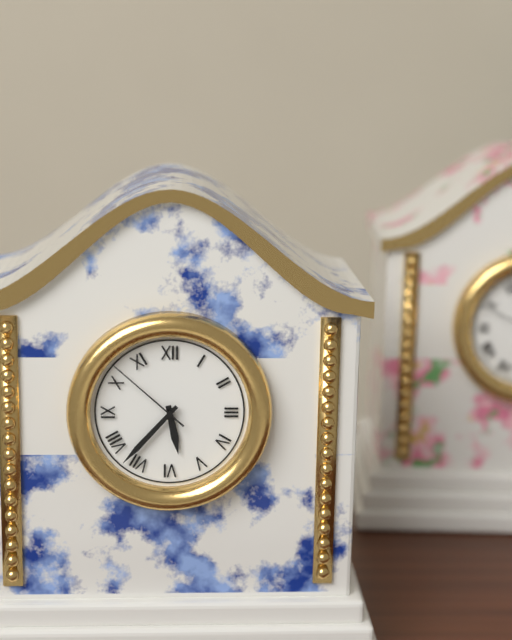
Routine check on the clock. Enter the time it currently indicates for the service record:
5:37:52
